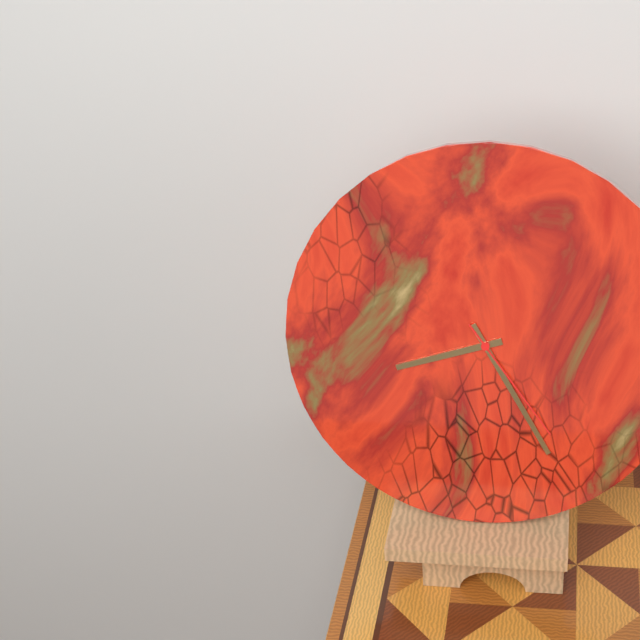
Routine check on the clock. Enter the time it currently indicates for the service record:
8:25:24
